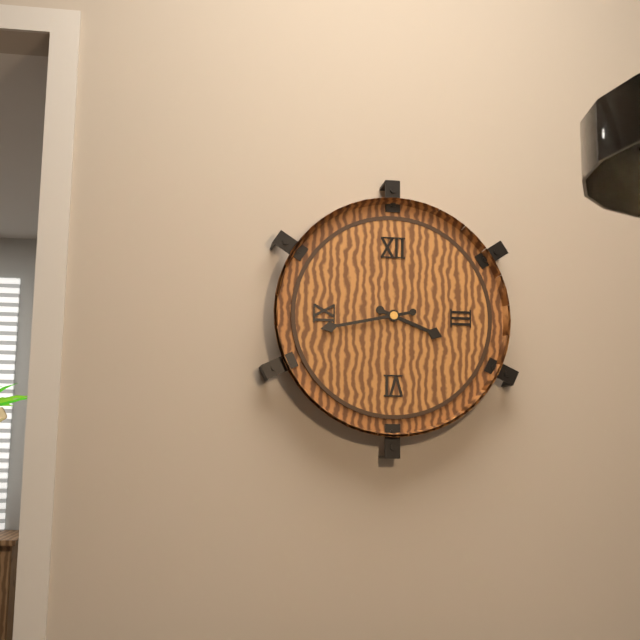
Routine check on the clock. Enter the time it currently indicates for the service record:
3:43
